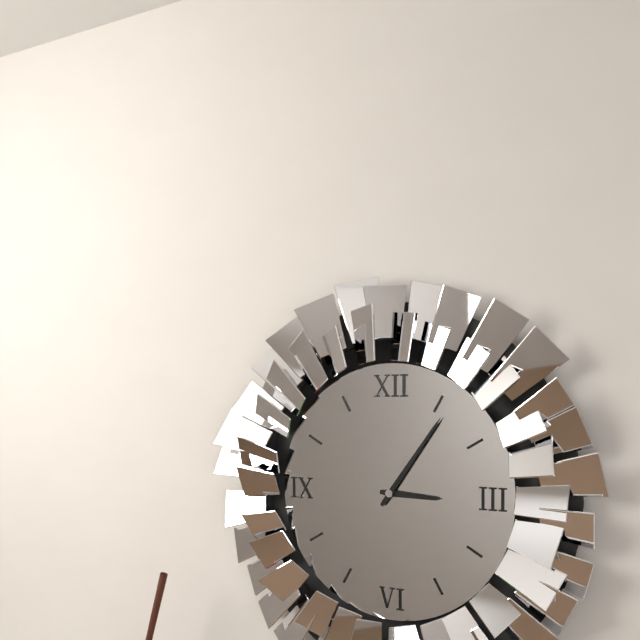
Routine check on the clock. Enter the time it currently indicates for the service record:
3:06
